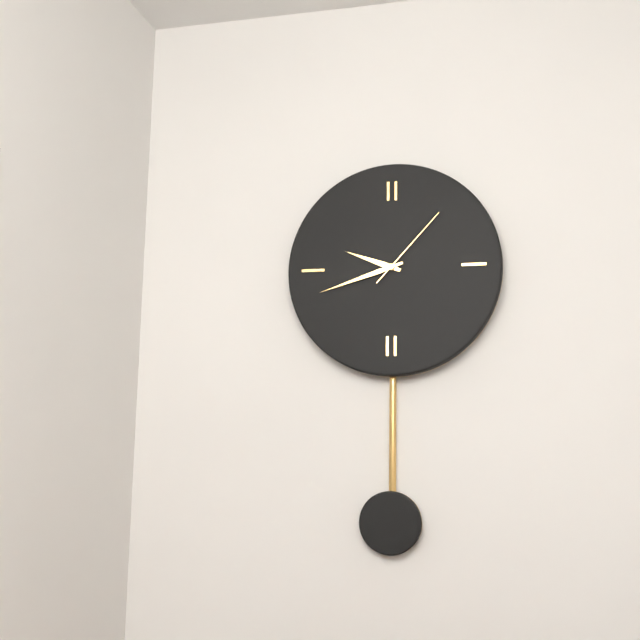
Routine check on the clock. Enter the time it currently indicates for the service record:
9:42:07
